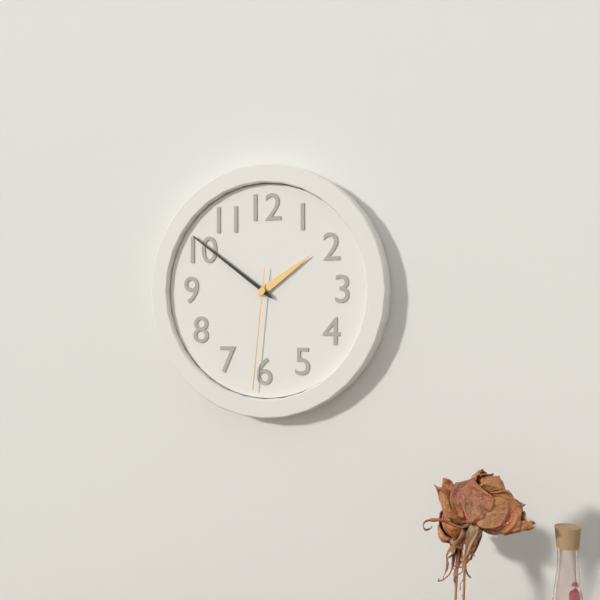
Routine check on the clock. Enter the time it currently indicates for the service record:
1:51:31
